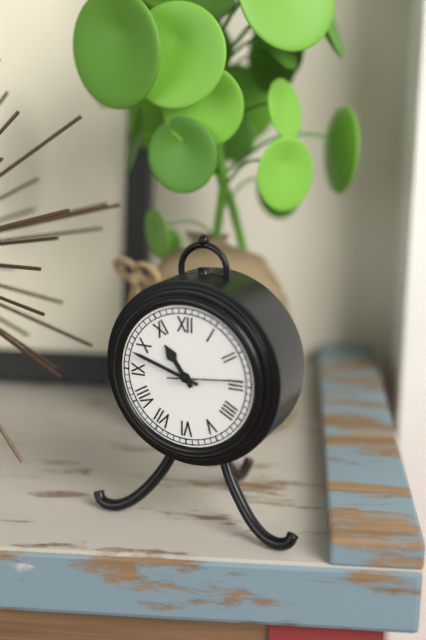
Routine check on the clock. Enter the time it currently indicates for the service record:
10:48:14
